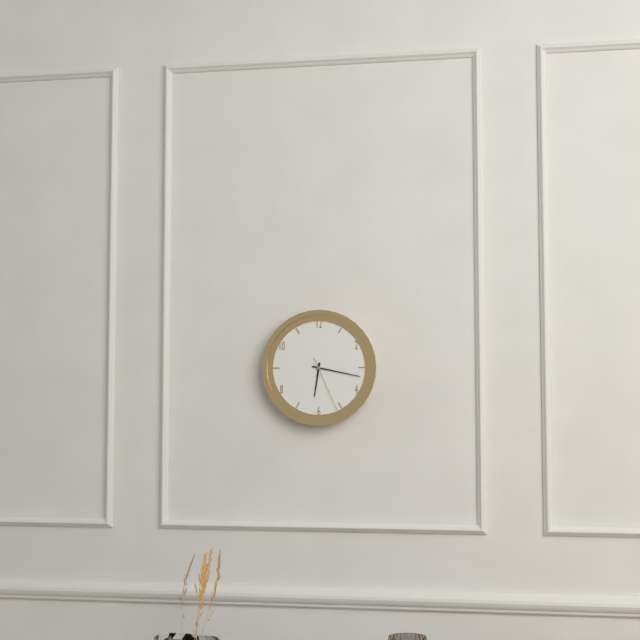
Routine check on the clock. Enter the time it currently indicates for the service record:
6:17:26
